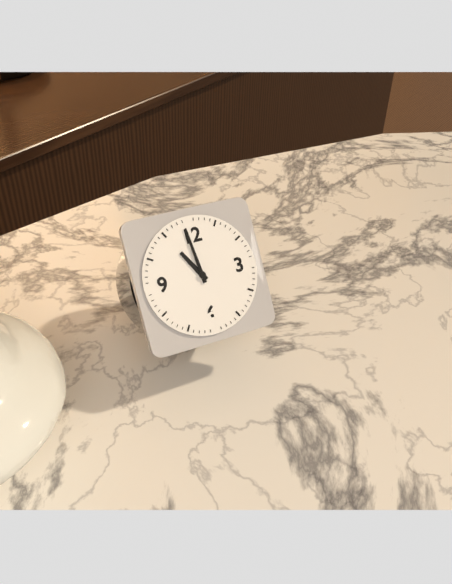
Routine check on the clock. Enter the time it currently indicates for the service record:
10:59
